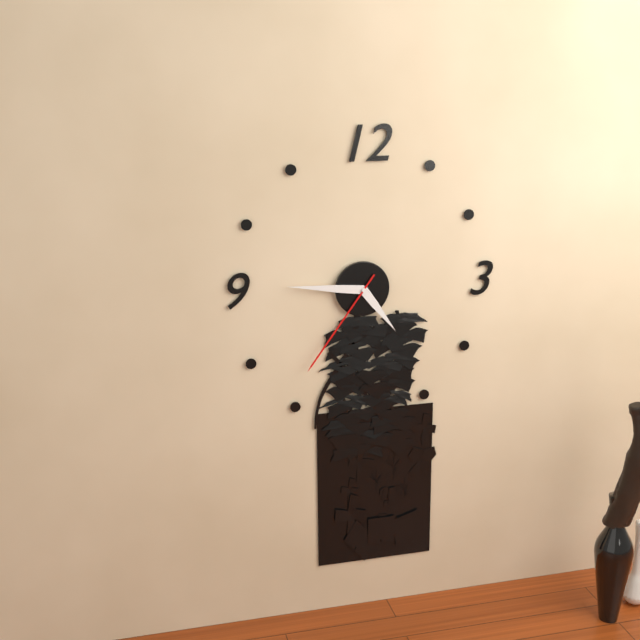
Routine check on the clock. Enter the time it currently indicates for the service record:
4:46:36
